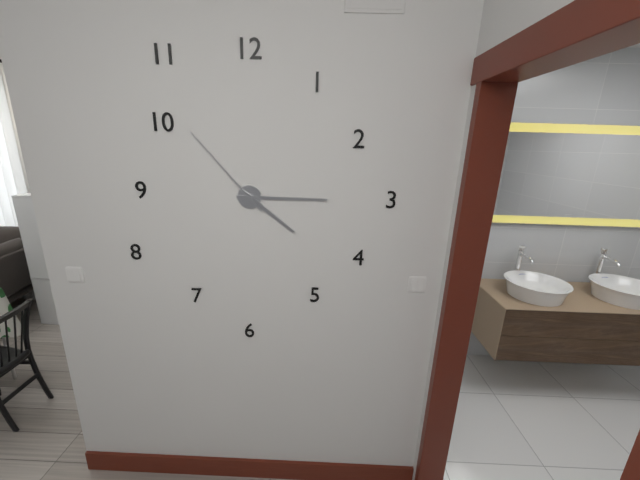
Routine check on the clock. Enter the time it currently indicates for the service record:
4:15:53
